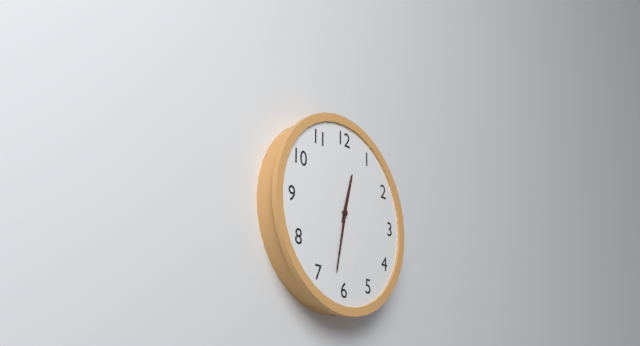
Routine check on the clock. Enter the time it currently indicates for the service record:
12:32
